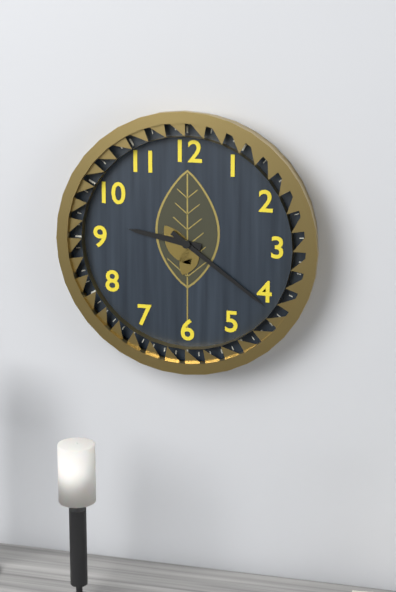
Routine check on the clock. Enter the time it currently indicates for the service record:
9:21
